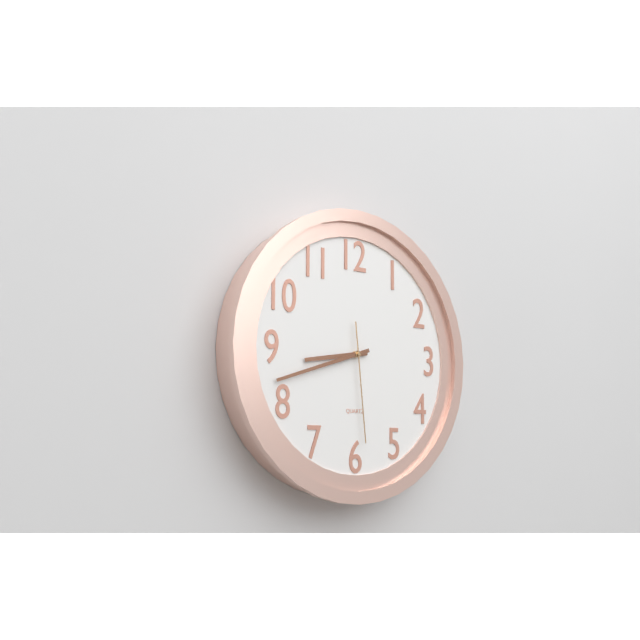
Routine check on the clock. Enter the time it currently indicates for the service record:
8:42:29
